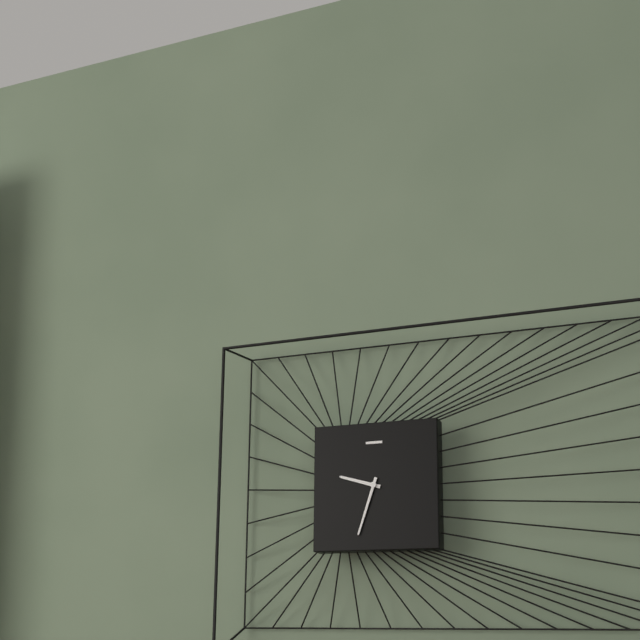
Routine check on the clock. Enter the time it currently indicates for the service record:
9:33
